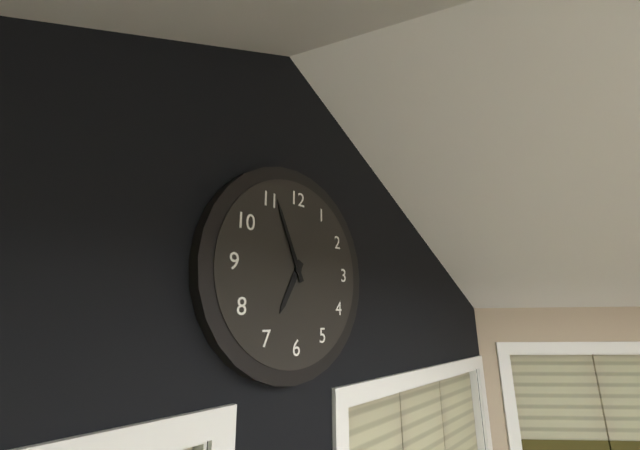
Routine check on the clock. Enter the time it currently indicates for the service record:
6:56
